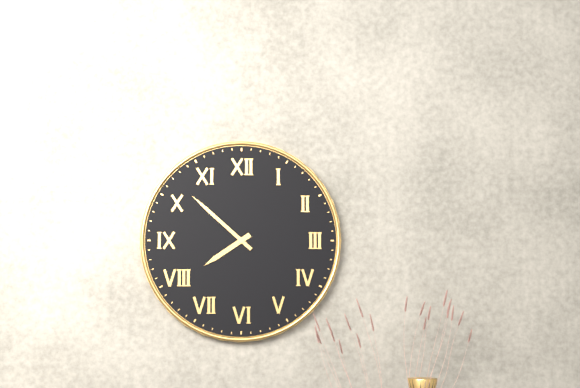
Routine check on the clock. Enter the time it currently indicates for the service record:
7:52
